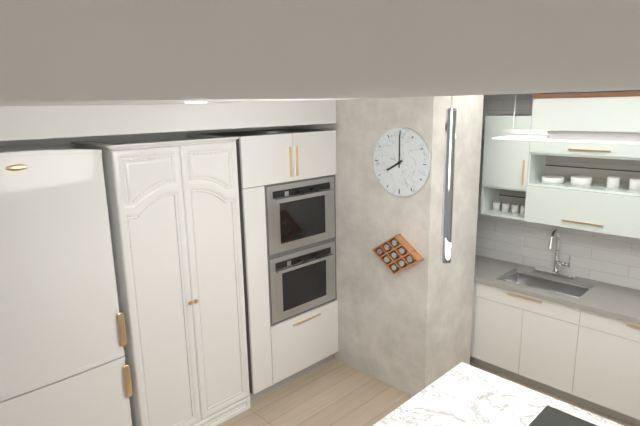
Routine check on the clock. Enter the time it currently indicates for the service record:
8:00
